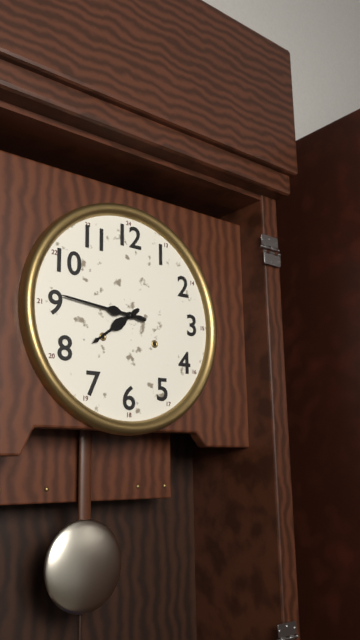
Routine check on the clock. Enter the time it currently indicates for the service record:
7:46
